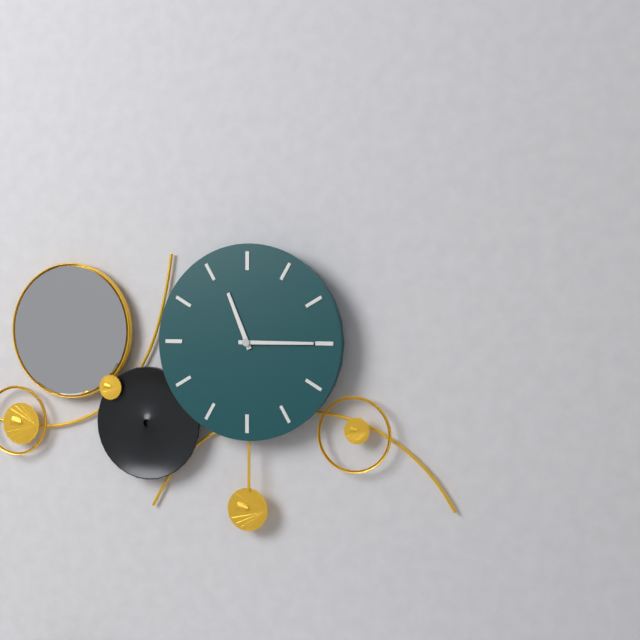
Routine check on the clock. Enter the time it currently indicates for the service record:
11:15
